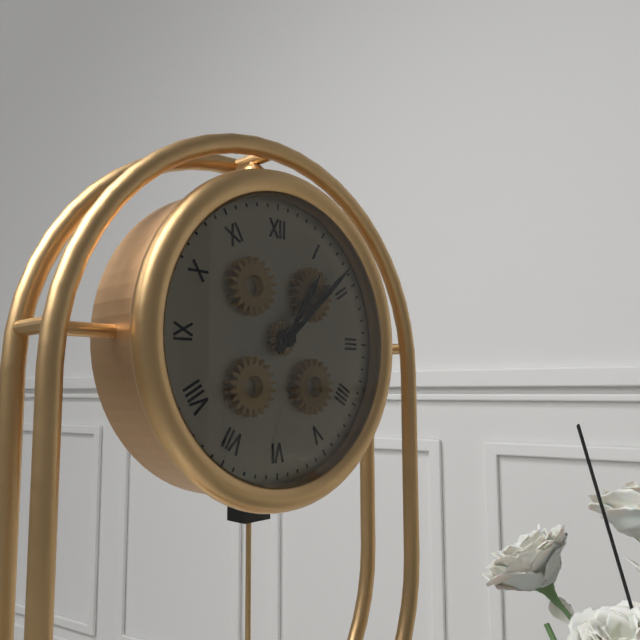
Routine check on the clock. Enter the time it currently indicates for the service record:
1:08
